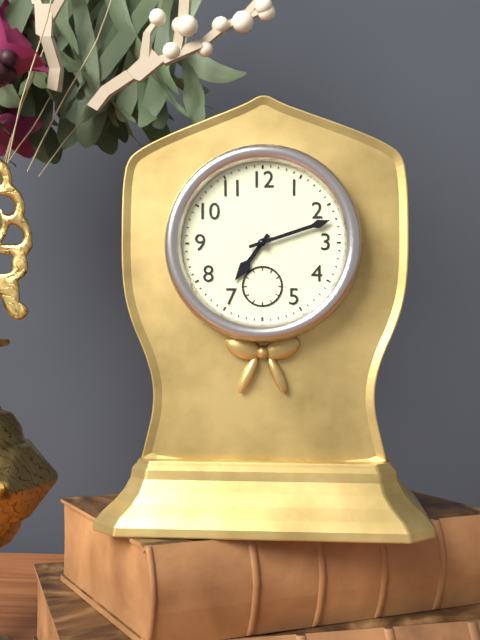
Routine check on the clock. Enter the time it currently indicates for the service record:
7:12
